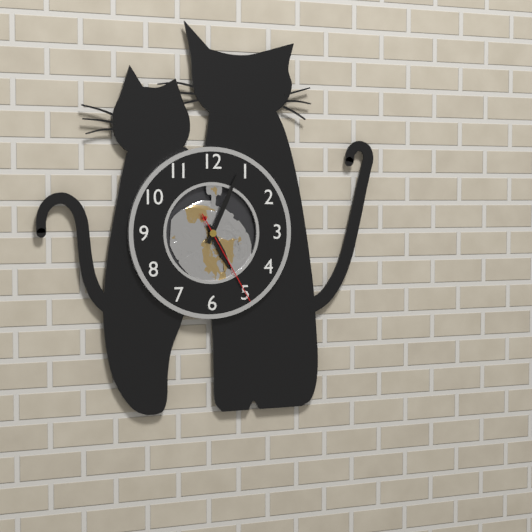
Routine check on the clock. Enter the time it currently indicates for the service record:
5:04:25
